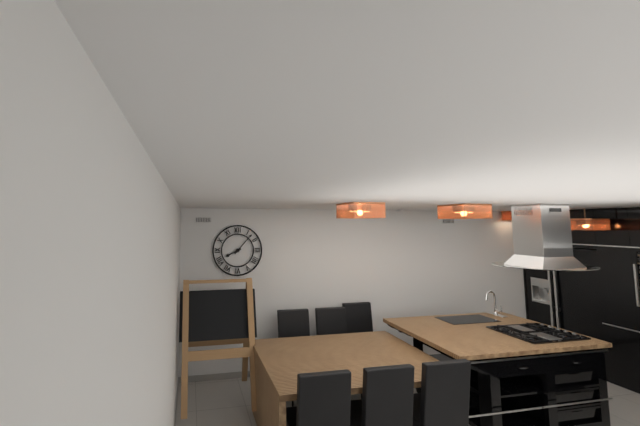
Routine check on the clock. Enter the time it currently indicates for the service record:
8:07
